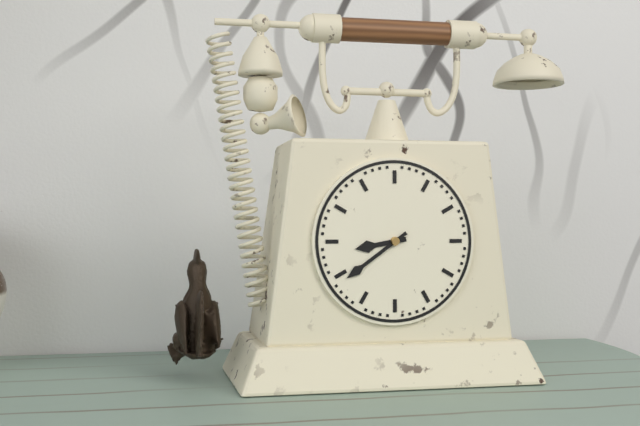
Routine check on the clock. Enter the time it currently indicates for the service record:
8:39
